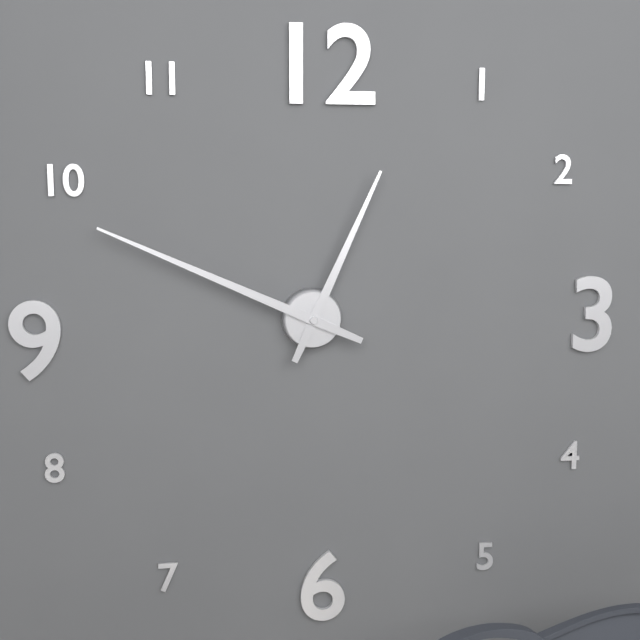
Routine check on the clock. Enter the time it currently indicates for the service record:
12:49
